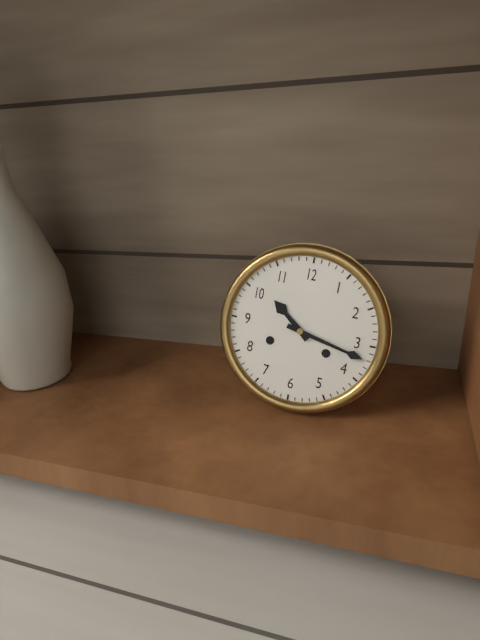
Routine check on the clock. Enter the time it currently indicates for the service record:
10:17
